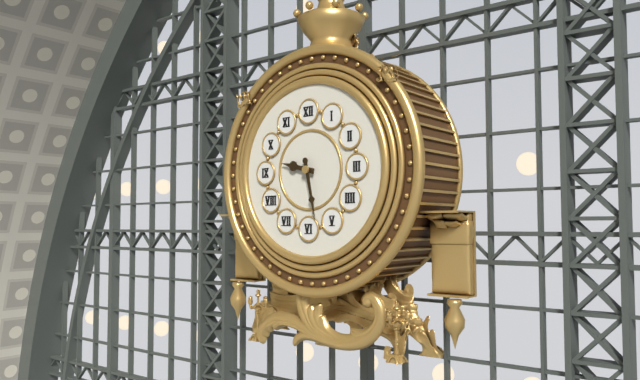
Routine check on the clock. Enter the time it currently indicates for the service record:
9:28
